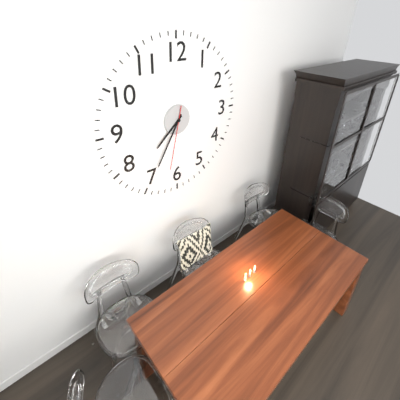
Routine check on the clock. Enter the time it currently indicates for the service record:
7:35:32
